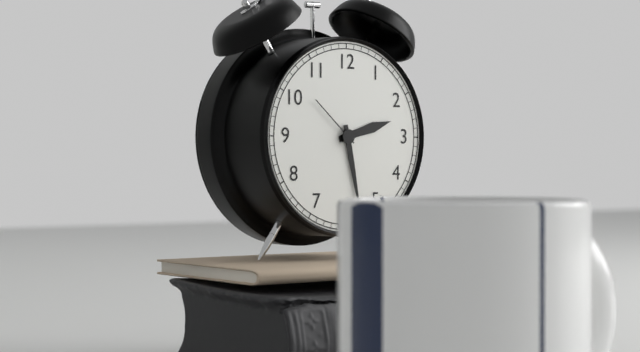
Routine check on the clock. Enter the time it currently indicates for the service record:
2:28:52
